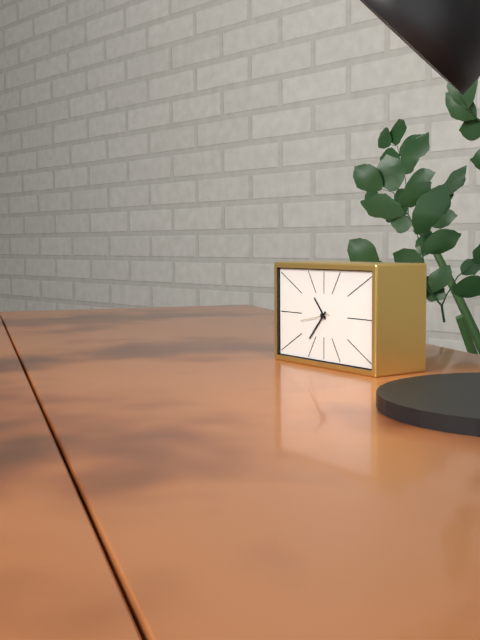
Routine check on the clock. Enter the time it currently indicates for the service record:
10:37
